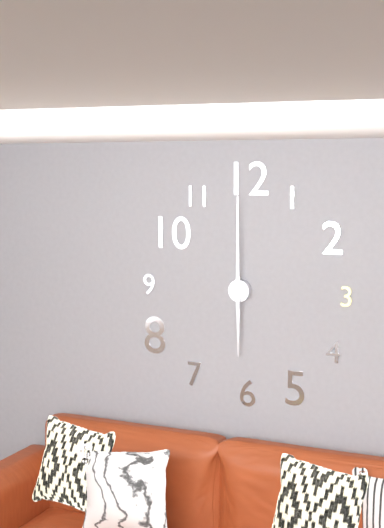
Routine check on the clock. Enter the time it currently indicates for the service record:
6:00
